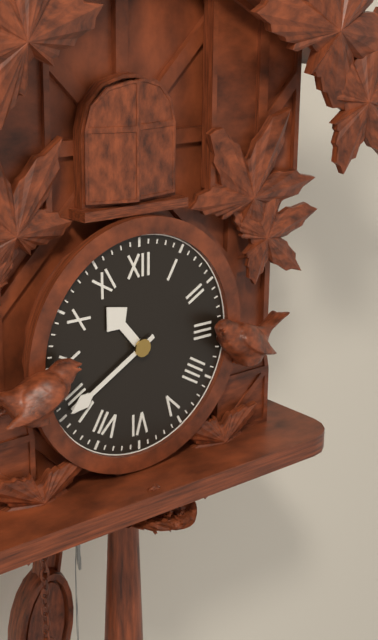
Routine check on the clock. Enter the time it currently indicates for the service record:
10:40
